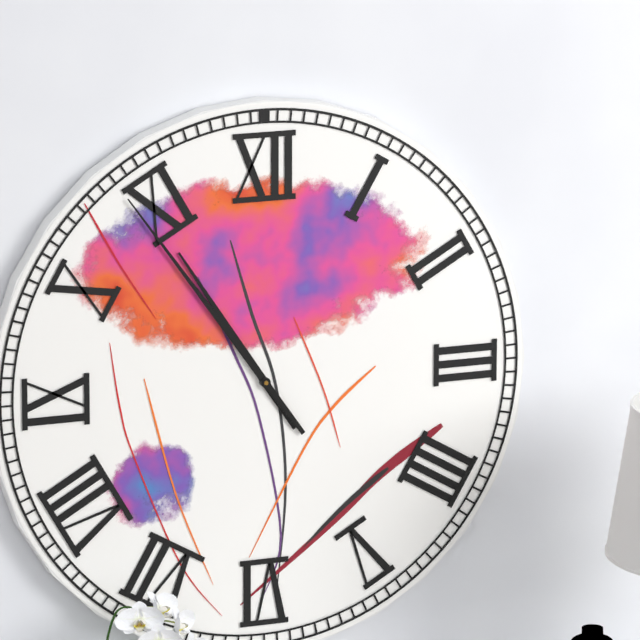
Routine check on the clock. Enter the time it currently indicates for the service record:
10:54
